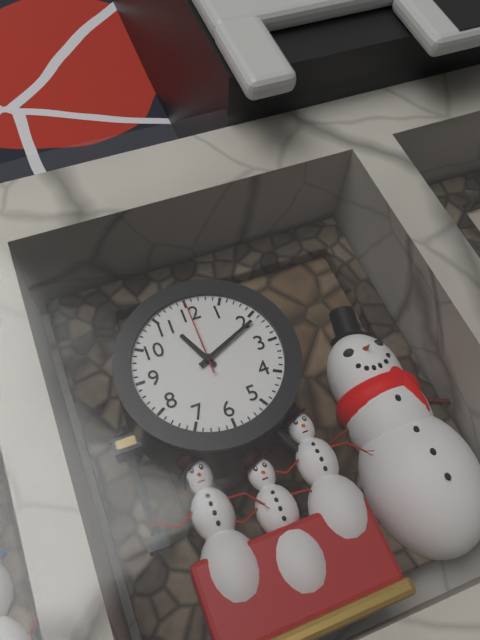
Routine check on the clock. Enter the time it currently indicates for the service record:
11:11:00
